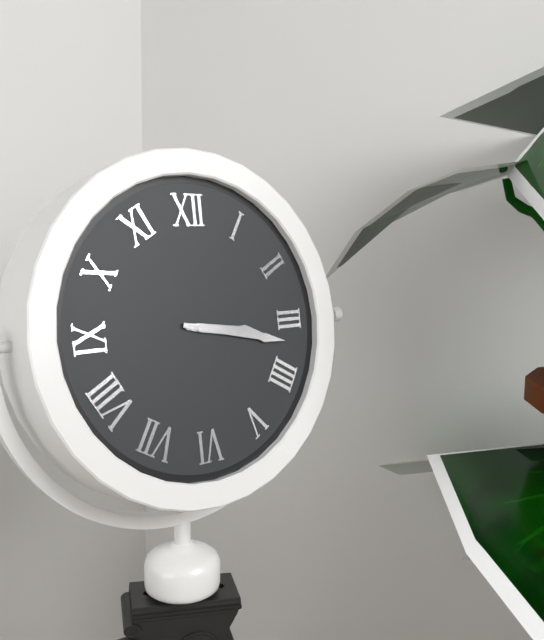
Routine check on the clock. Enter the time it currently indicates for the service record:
3:17
